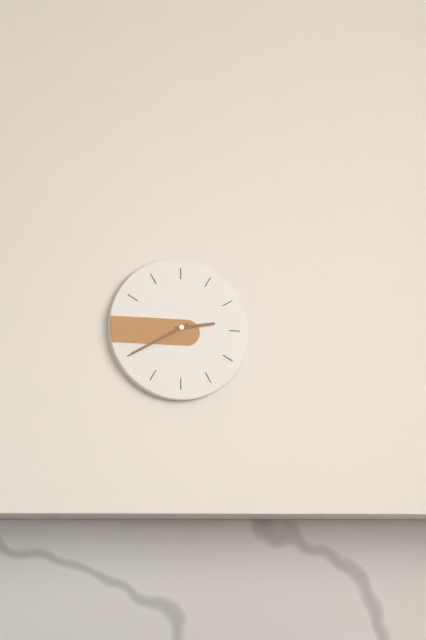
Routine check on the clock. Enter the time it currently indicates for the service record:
2:40
